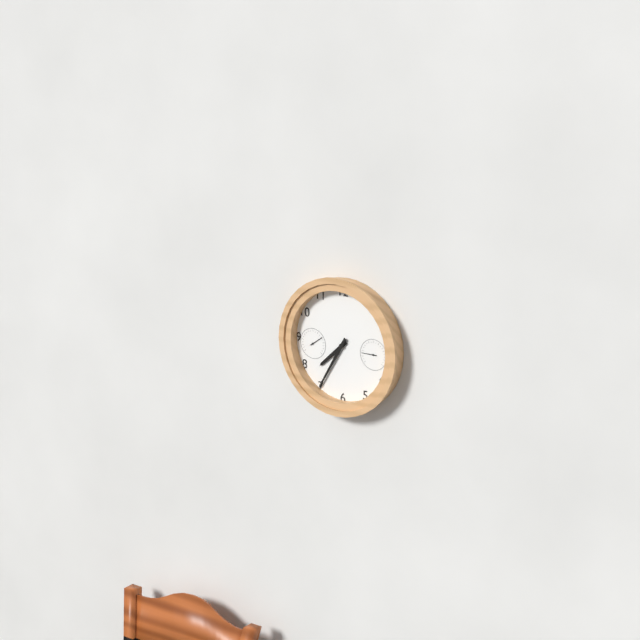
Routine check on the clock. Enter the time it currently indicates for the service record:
7:35
